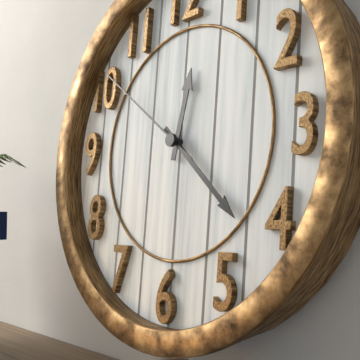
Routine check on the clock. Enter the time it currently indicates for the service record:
12:22:51
